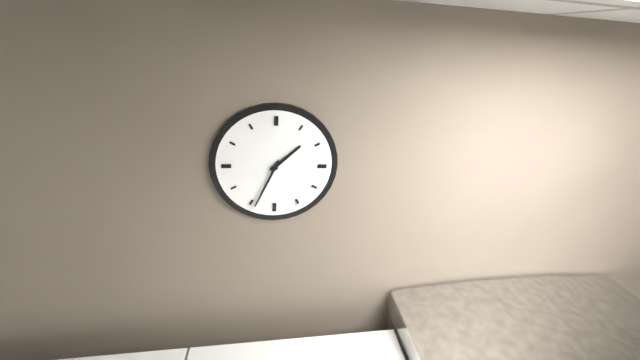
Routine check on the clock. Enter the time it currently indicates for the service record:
1:34
